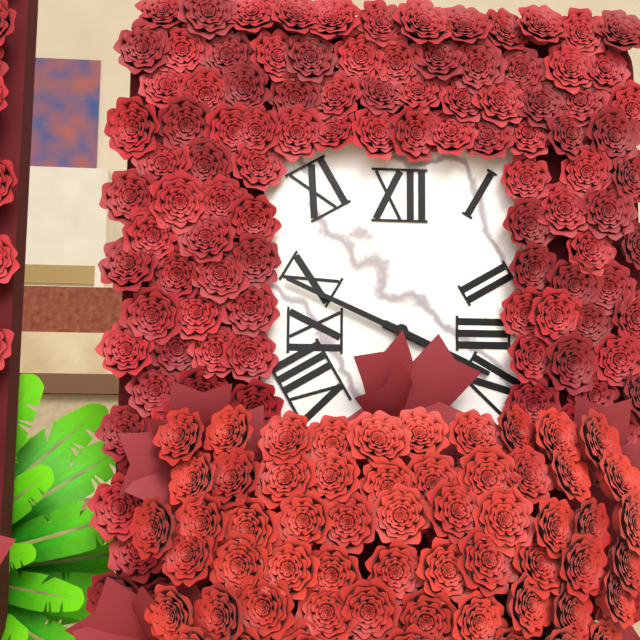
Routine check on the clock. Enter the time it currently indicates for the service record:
3:49
